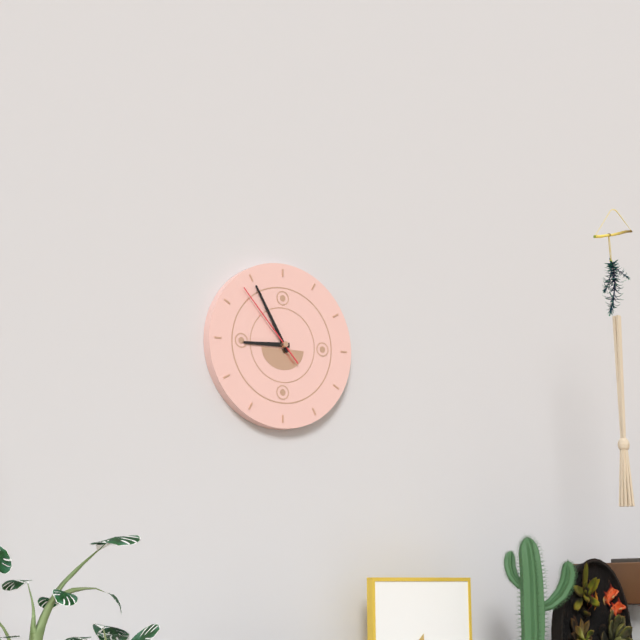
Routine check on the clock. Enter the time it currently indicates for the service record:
8:55:53
